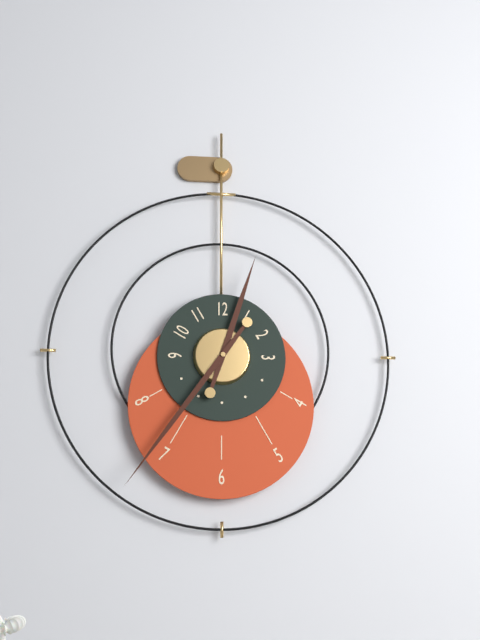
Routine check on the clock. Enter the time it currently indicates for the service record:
12:36
